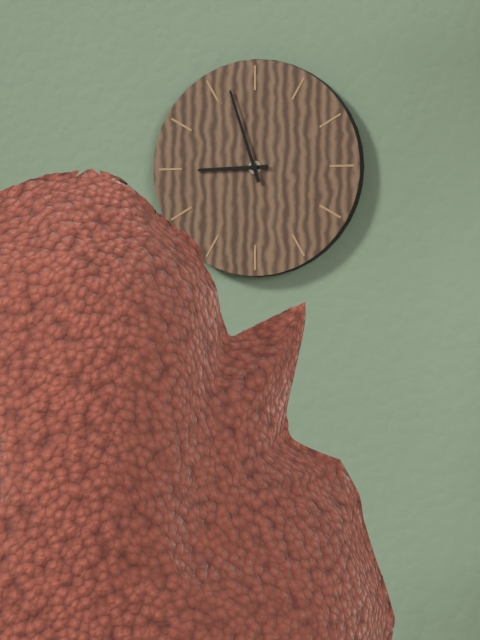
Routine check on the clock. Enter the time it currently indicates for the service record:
8:57
